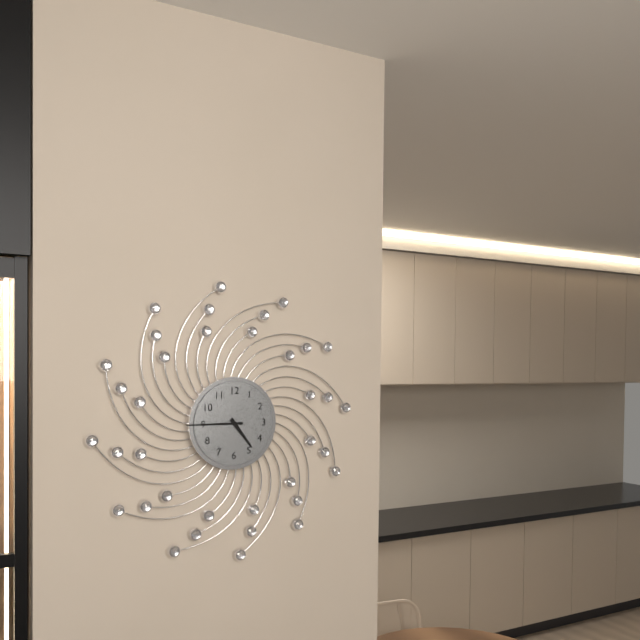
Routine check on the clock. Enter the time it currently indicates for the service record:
4:45
